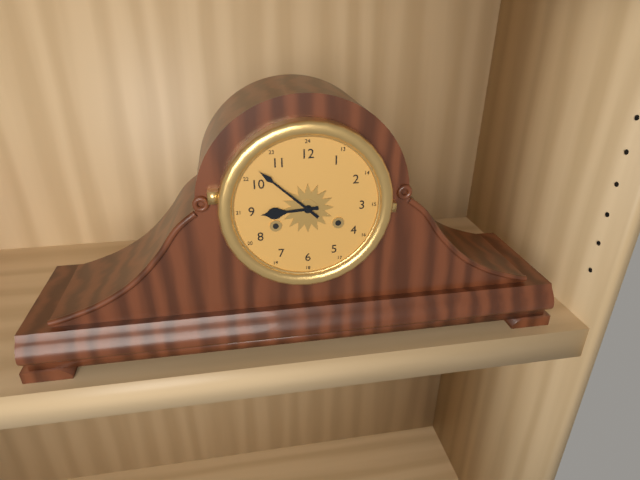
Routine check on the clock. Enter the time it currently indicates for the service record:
8:52
